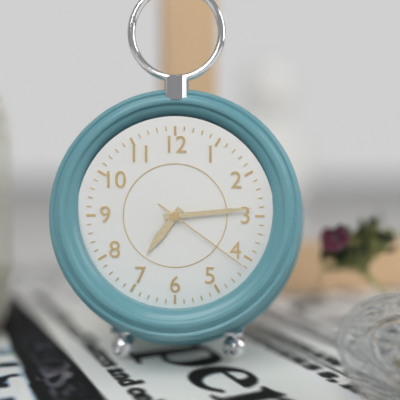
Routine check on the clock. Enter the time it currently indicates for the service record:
7:14:21
